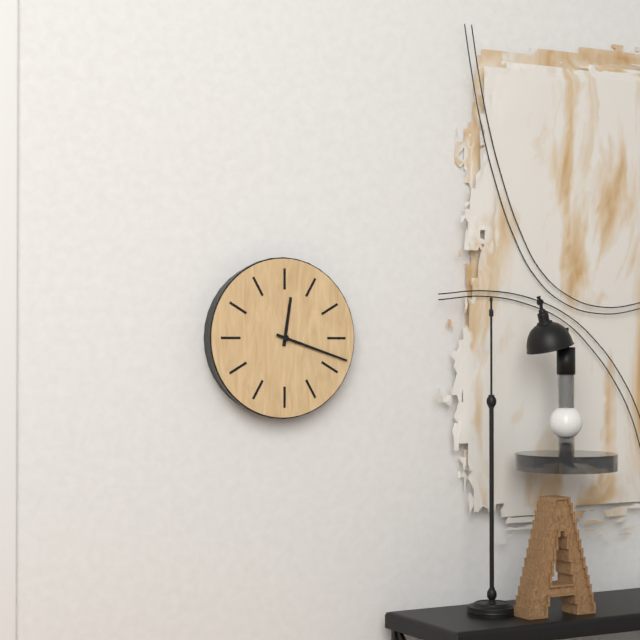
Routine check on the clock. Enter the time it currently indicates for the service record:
12:18
